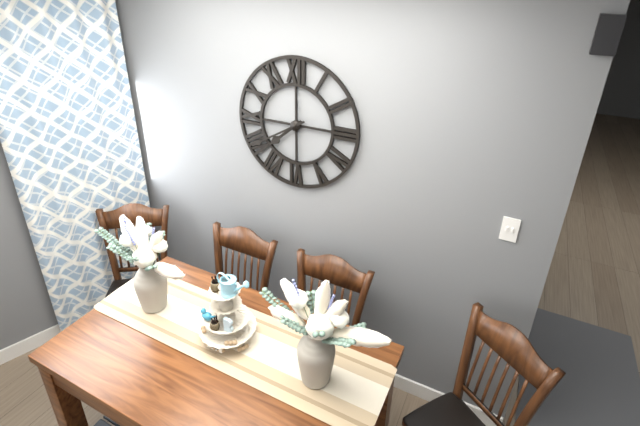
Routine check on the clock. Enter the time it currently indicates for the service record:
7:40
